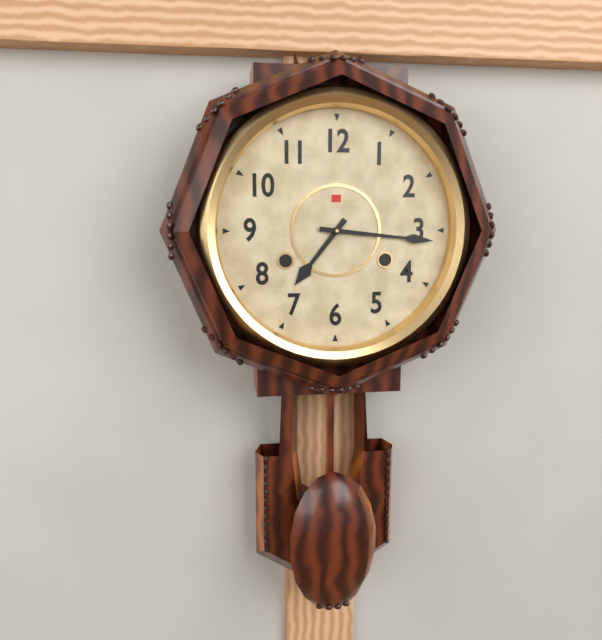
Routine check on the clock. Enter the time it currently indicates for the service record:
7:16
